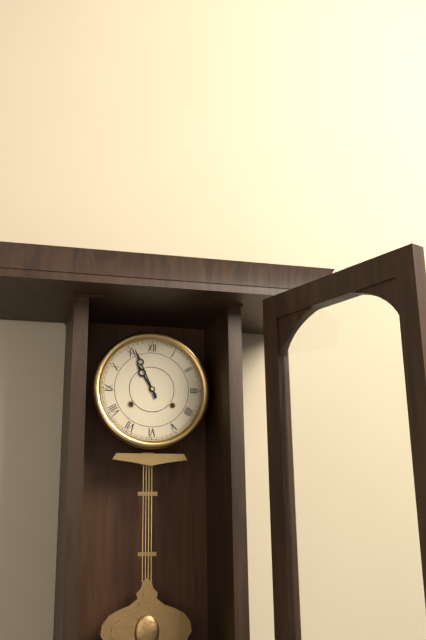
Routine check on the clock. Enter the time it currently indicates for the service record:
10:56
